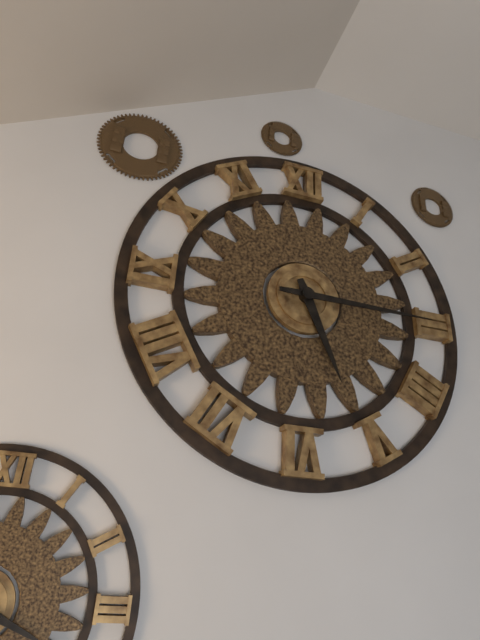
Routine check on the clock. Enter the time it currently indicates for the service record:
5:15
